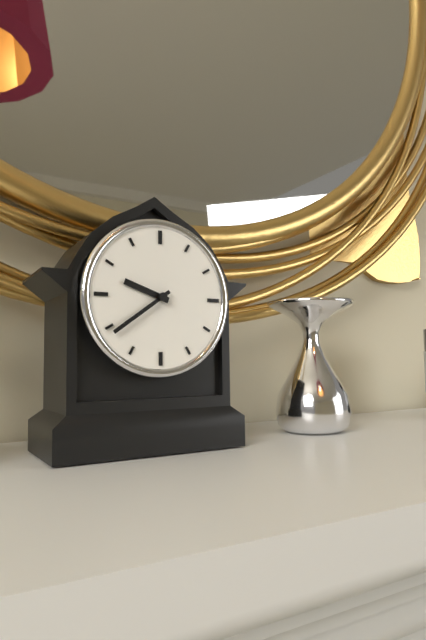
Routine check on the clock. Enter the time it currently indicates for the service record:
9:39
